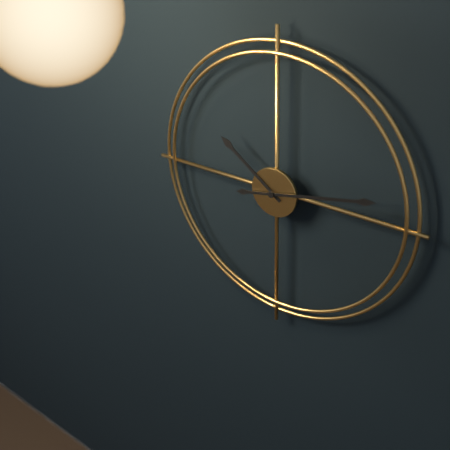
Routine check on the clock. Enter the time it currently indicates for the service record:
10:13
